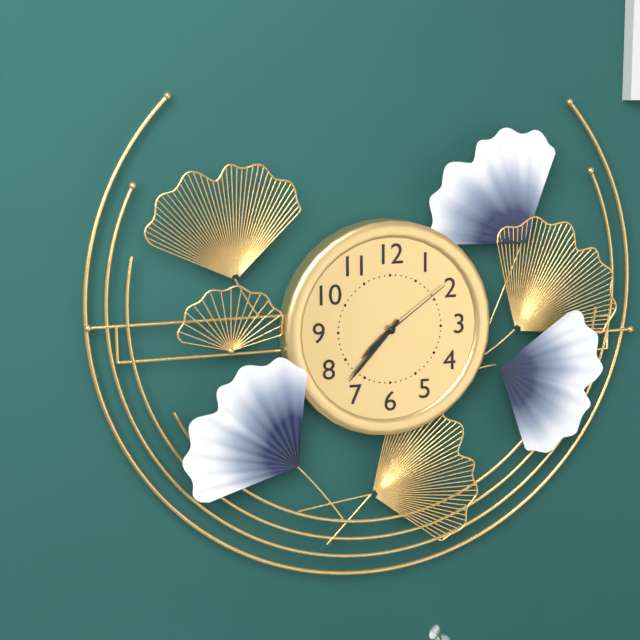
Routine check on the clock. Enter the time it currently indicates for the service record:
7:37:09
